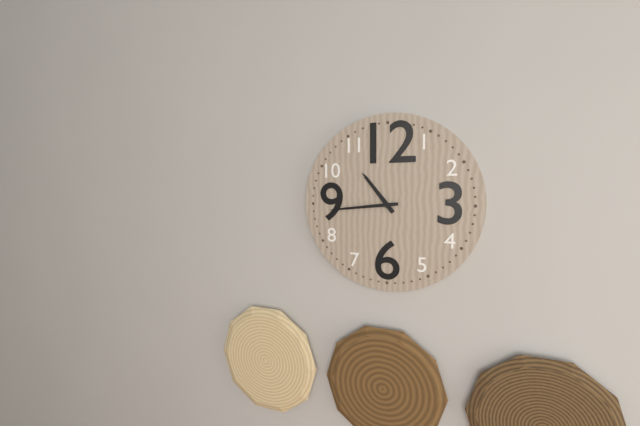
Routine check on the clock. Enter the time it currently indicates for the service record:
10:44
